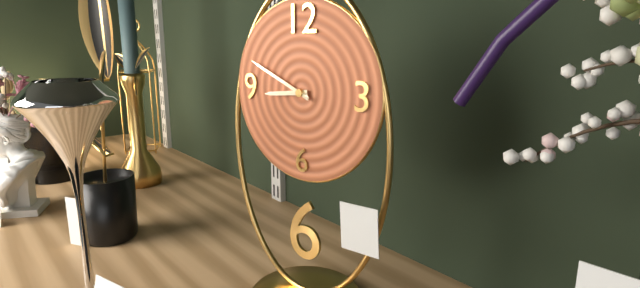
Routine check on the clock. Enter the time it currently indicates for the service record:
8:49
